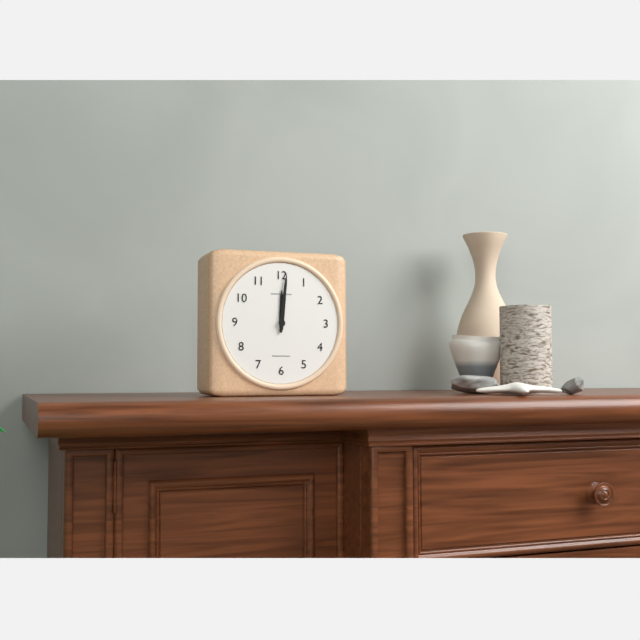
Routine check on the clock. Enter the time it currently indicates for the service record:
12:01
